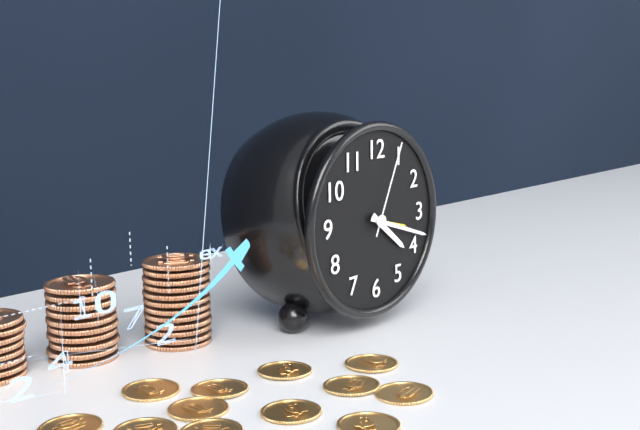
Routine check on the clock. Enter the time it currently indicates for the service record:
4:18:04
